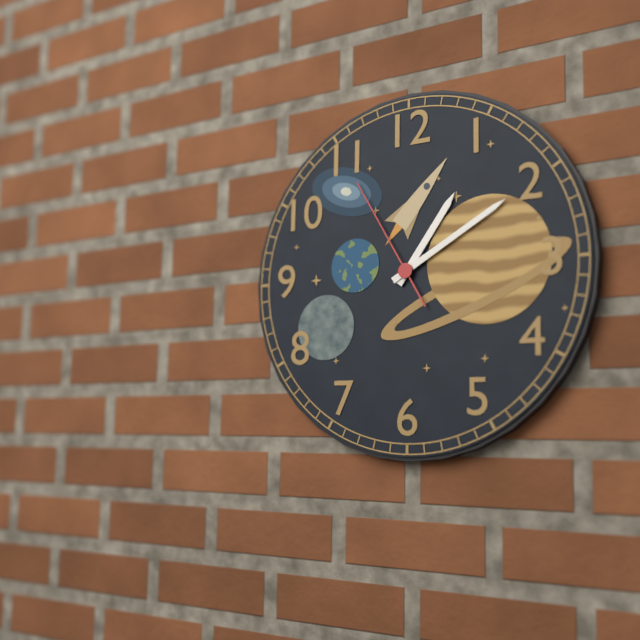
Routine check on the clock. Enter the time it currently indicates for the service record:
1:10:55
